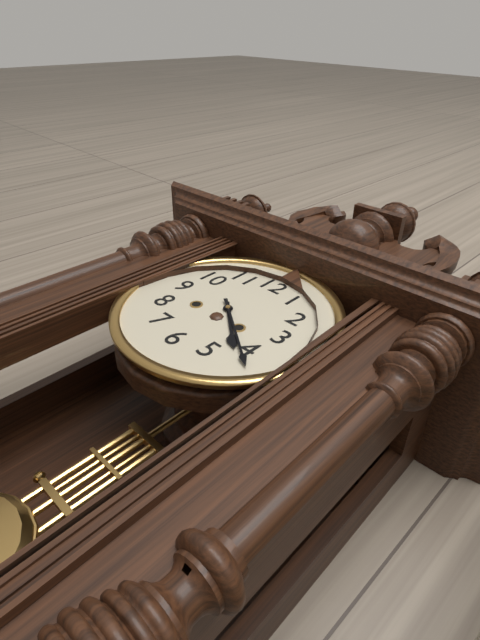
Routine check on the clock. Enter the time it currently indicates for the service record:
4:21
